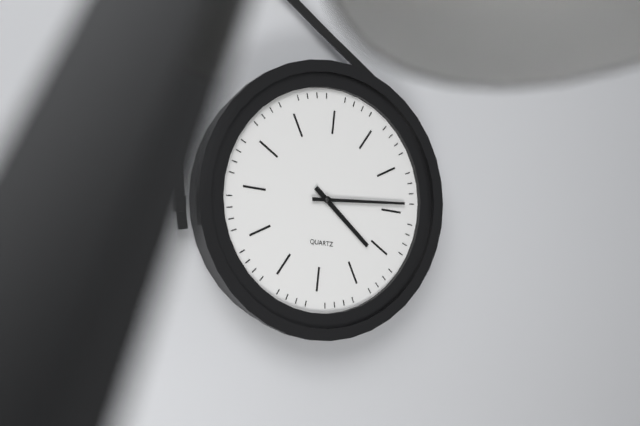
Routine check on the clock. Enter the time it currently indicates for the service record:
4:14
